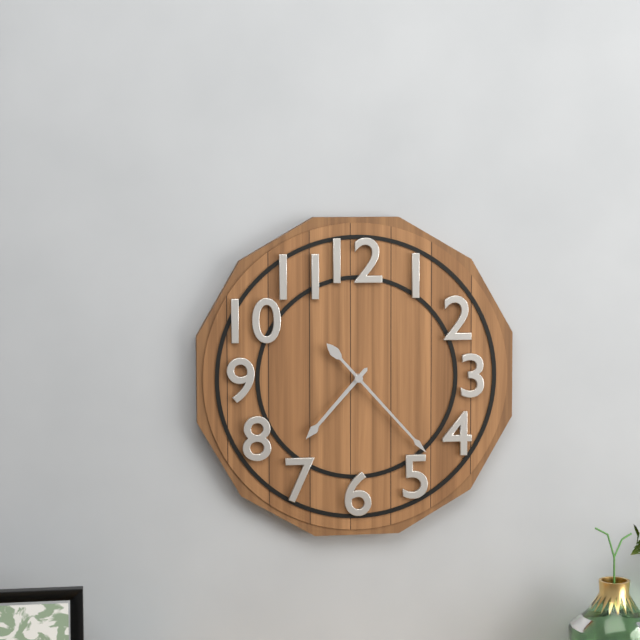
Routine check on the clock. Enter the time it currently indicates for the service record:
7:23
